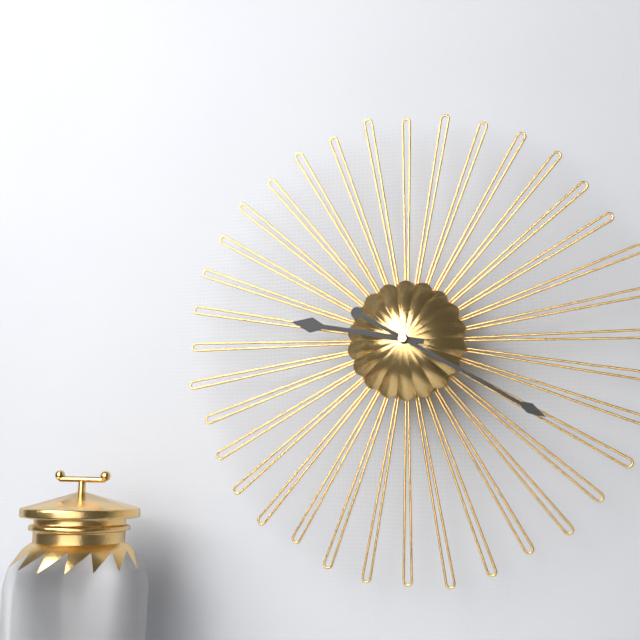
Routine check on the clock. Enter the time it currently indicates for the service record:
9:20
